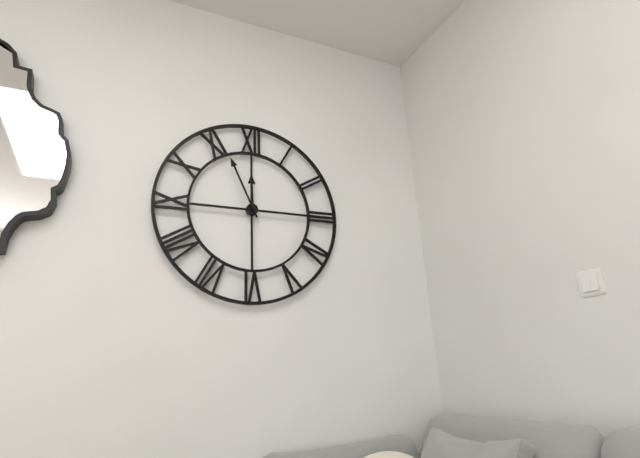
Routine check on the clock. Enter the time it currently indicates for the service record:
11:56
